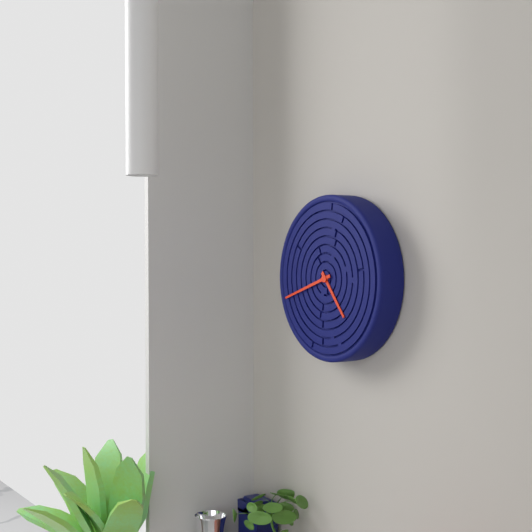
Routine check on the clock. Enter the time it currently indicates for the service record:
4:42
